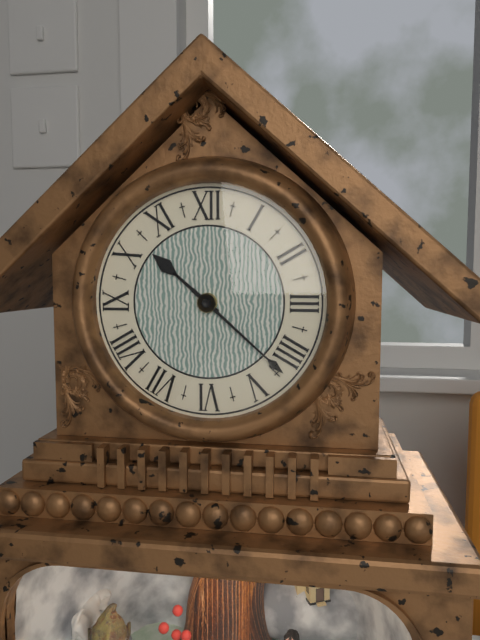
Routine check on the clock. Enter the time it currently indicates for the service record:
10:22
